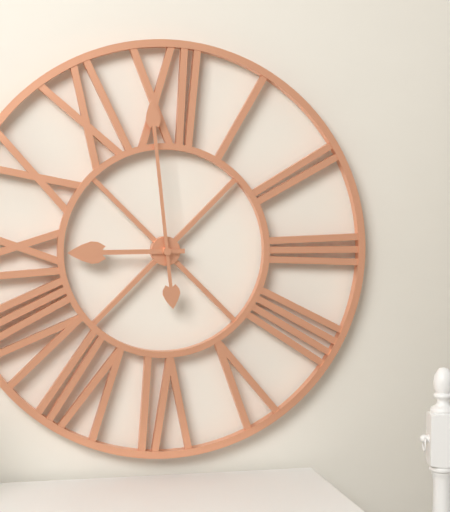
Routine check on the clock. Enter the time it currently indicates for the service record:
8:59
